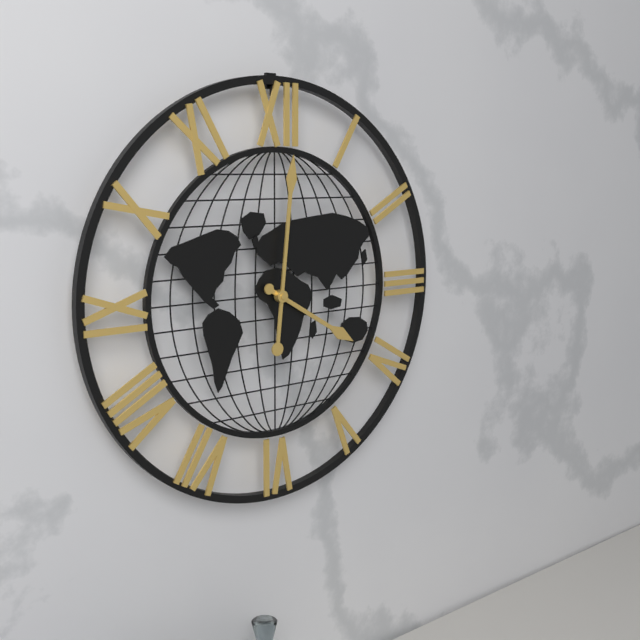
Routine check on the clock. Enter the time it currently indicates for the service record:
4:01
